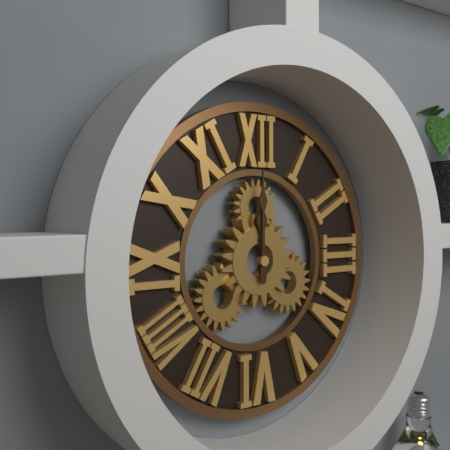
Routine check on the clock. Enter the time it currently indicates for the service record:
12:00
